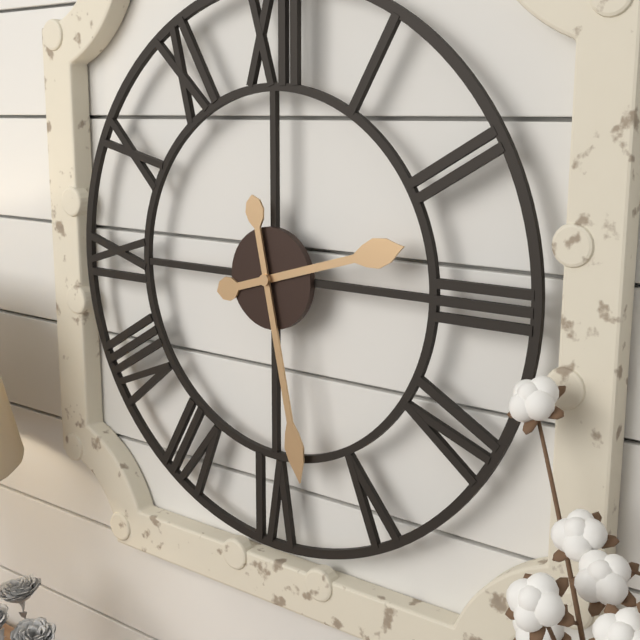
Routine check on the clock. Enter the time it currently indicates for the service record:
2:28
